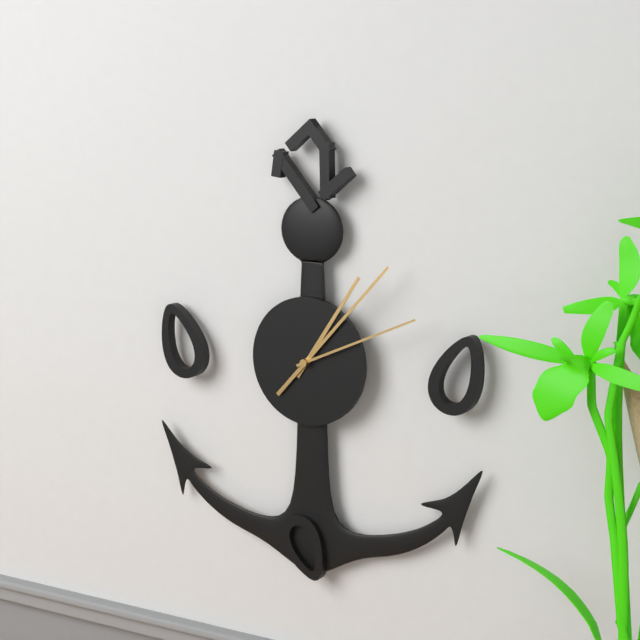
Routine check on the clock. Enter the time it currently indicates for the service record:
1:07:11
